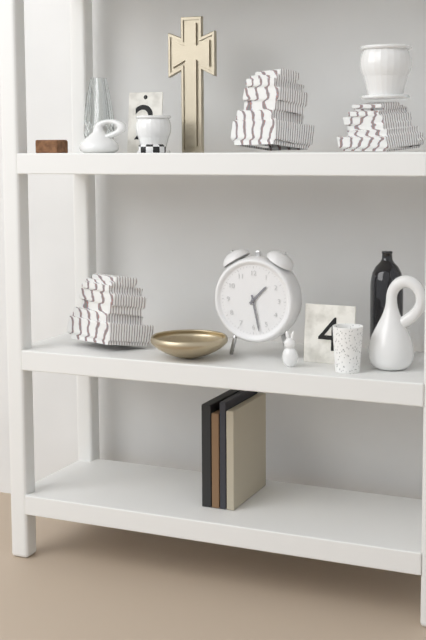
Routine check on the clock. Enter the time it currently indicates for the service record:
1:28
